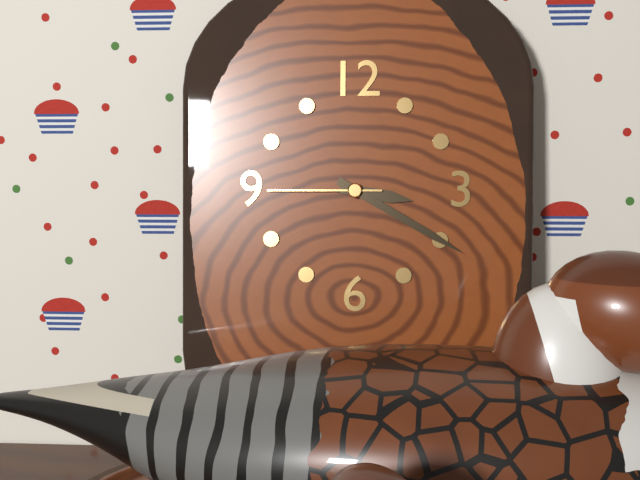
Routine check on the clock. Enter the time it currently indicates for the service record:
3:20:45
